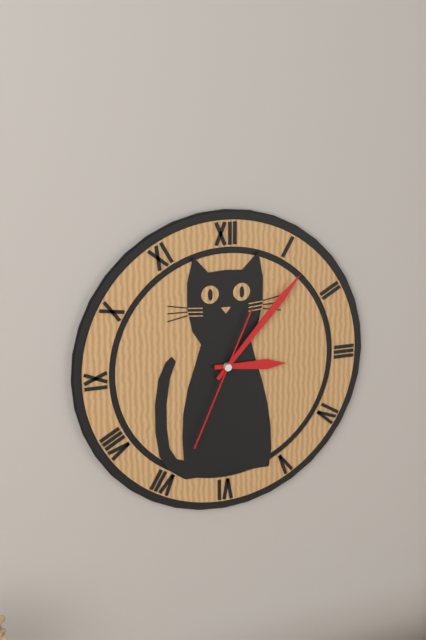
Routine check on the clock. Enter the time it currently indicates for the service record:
3:07:34
